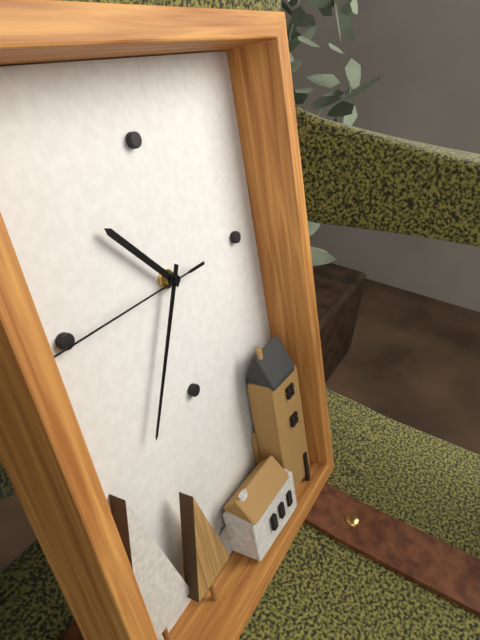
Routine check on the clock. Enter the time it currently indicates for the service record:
10:35:45
